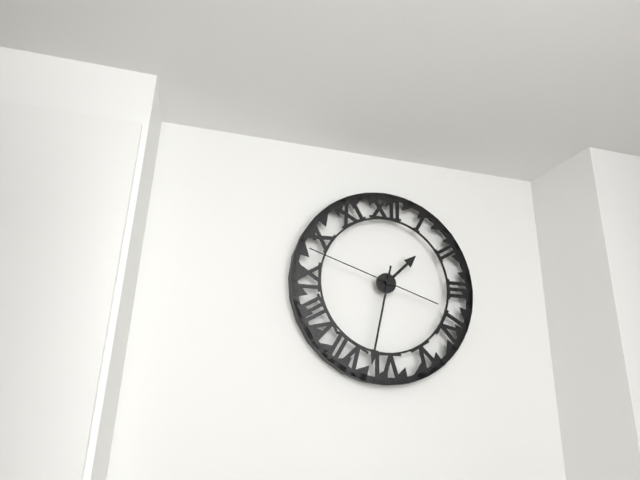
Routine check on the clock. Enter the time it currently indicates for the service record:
1:32:48
